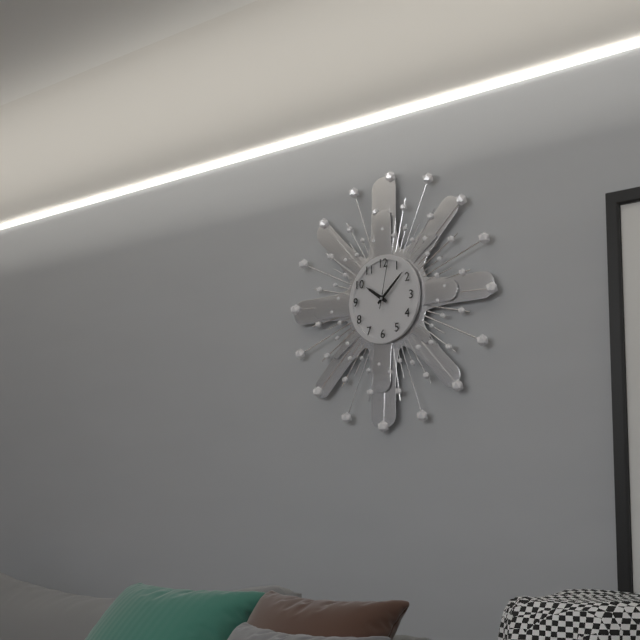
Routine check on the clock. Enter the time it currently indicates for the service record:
10:08
